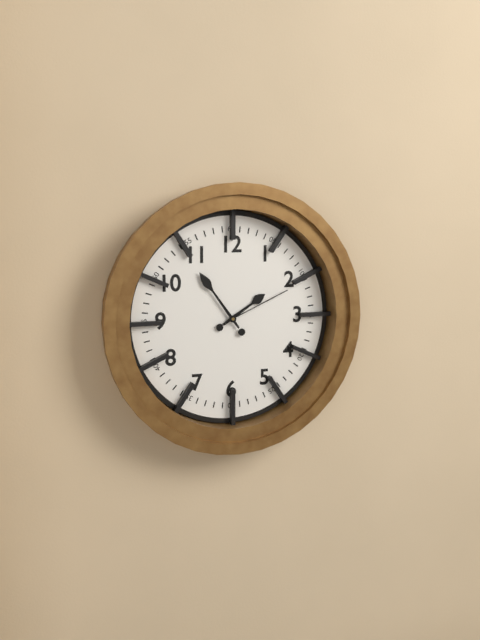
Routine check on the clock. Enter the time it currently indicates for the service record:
1:54:11
